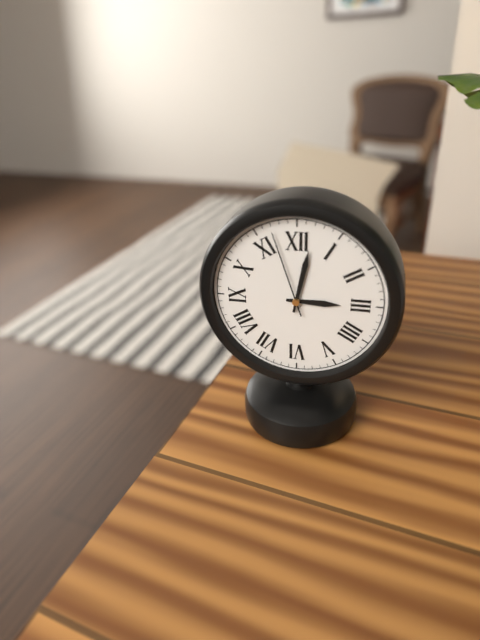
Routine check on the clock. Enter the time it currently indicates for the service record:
3:02:57
